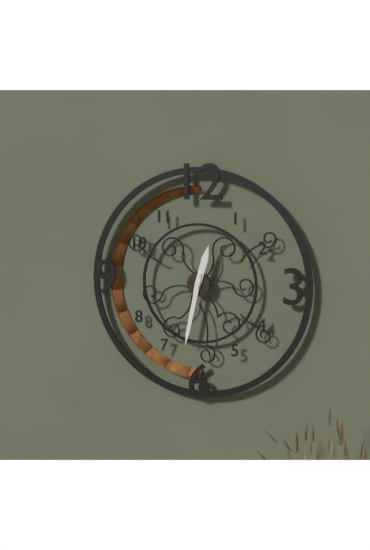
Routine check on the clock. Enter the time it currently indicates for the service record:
12:32
